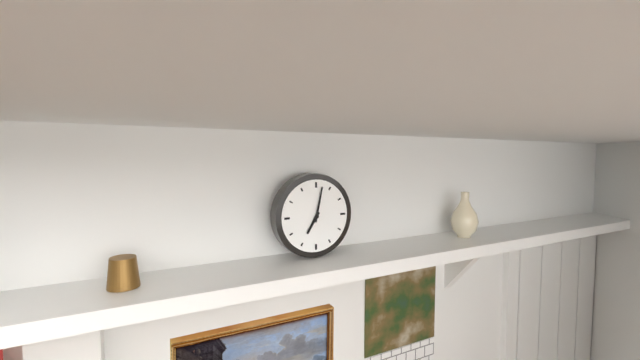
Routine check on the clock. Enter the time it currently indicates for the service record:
7:02
